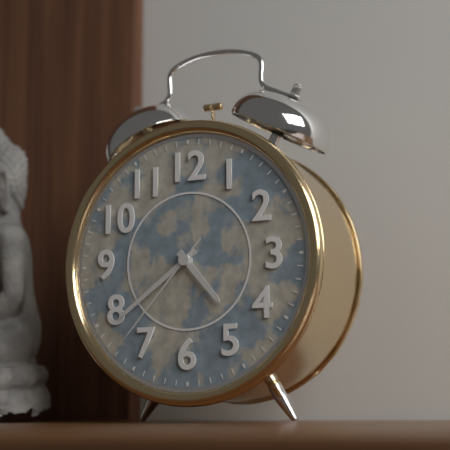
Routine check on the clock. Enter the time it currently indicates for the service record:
4:39:37
